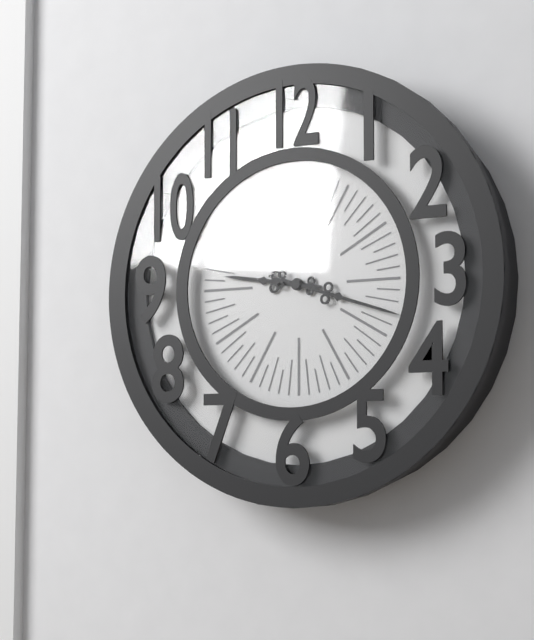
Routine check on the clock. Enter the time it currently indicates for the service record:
9:18
